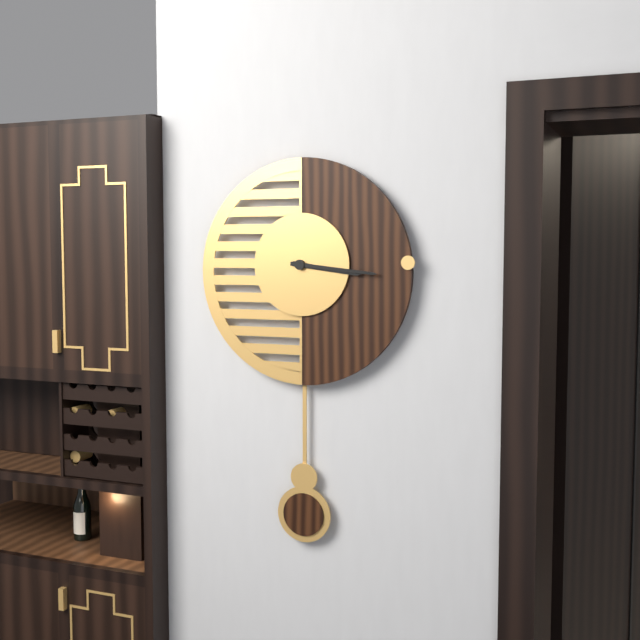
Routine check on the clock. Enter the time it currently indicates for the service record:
3:16
